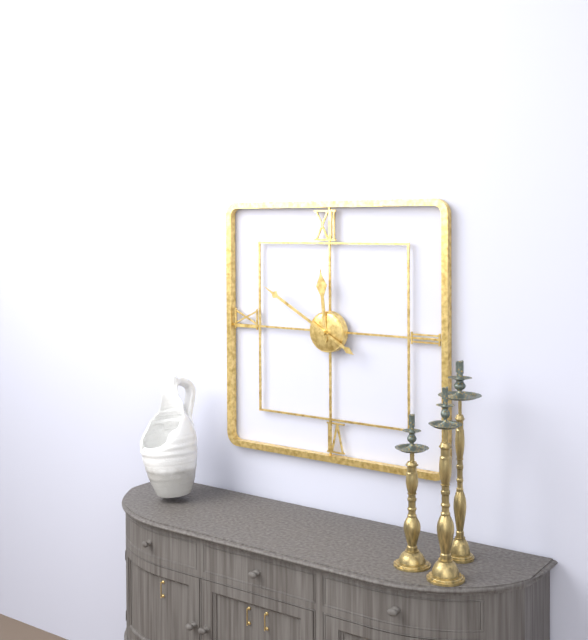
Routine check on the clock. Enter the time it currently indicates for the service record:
11:50
